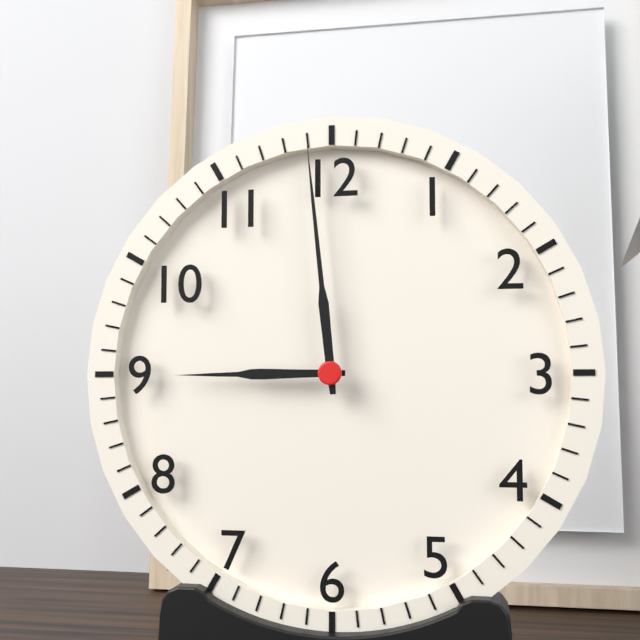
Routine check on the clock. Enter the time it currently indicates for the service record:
8:59
